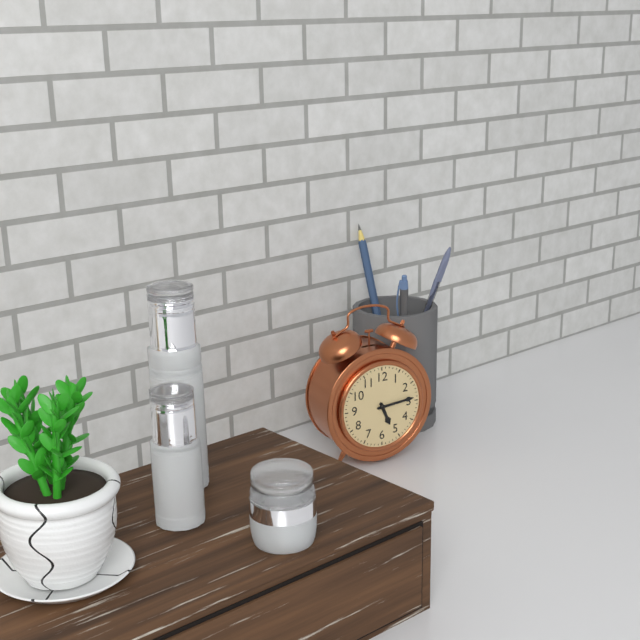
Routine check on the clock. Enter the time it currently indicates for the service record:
5:14
